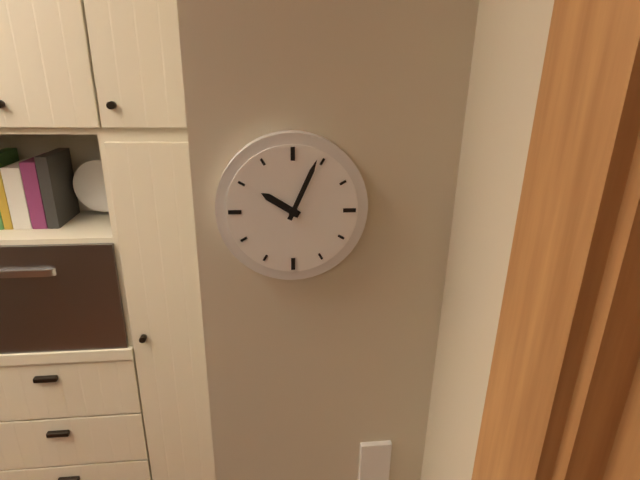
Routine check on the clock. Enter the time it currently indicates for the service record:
10:04
